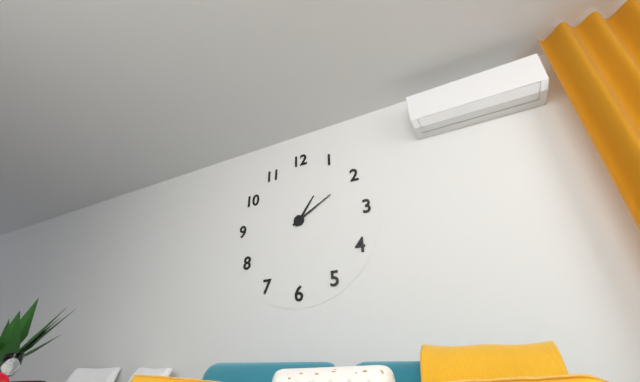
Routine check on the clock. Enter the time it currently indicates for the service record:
1:10
